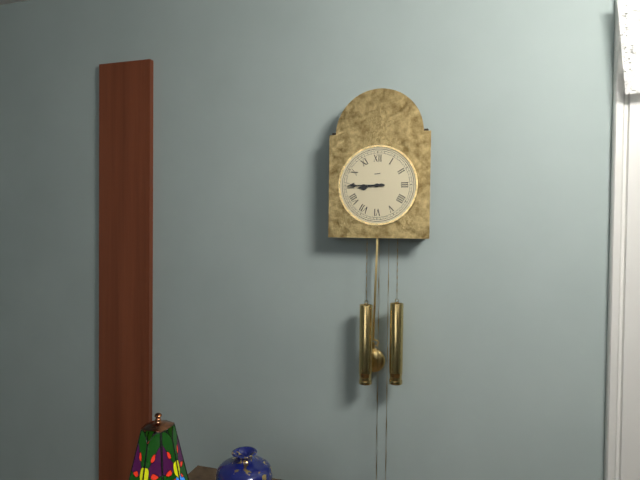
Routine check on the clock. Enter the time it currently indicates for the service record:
8:45
